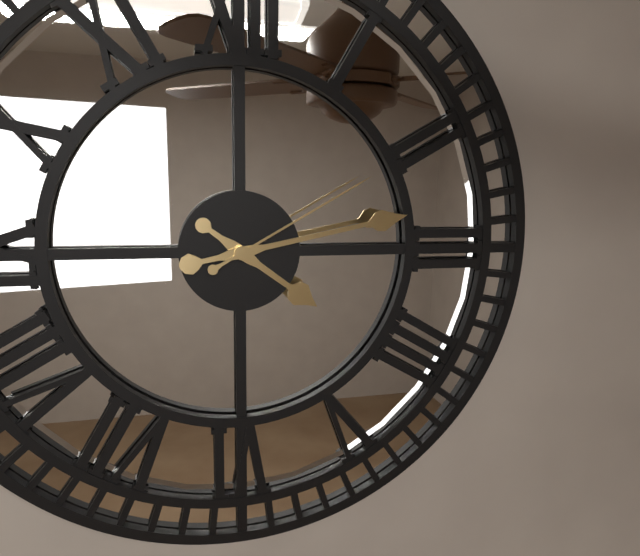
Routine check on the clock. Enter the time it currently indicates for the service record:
4:13:10
